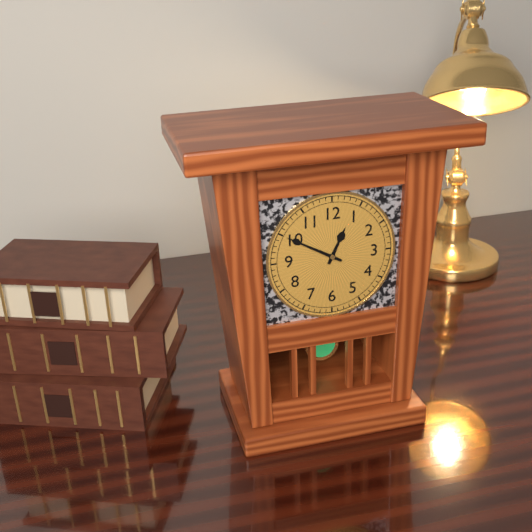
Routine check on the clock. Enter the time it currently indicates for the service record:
12:50
